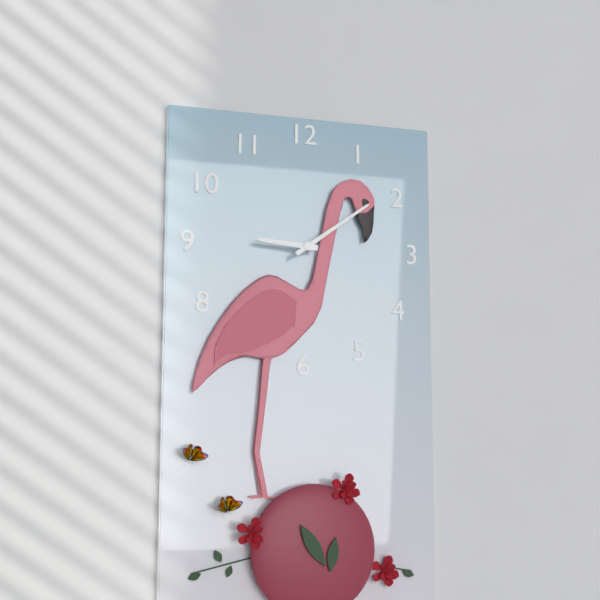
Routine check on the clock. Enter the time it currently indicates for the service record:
9:09
